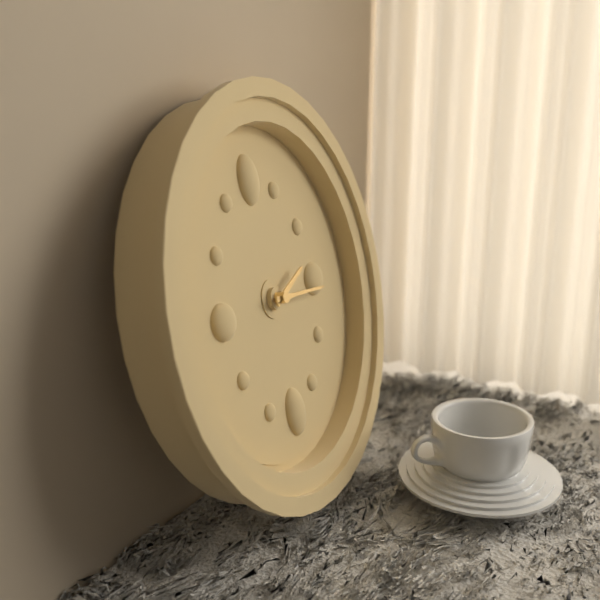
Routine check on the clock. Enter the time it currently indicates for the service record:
2:16
